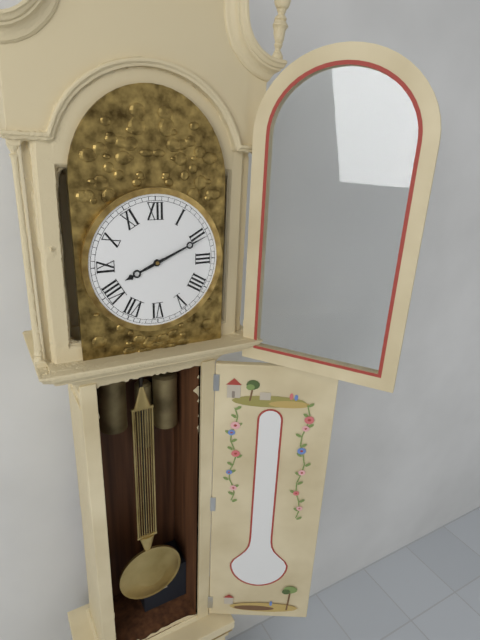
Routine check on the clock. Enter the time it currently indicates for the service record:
8:11
